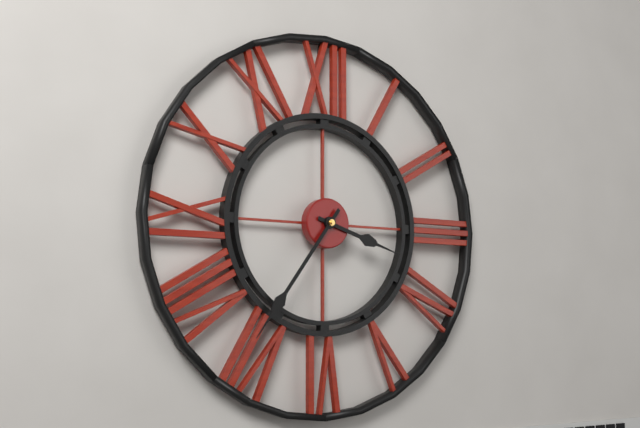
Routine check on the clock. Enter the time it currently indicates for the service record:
3:36
